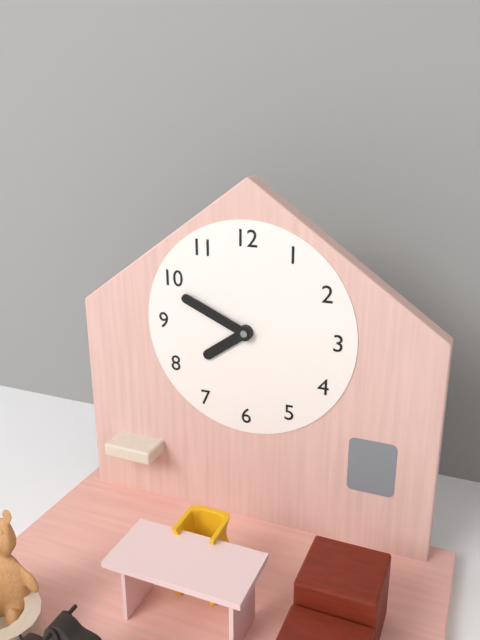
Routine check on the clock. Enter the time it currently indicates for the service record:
7:49
